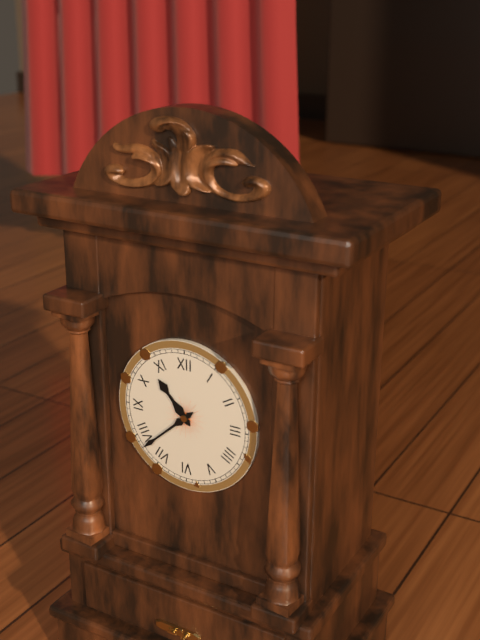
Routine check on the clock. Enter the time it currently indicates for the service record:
10:38
